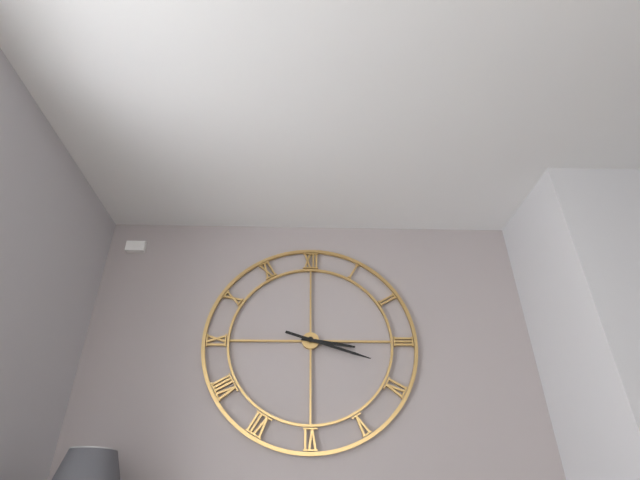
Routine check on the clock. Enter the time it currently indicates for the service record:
3:18
